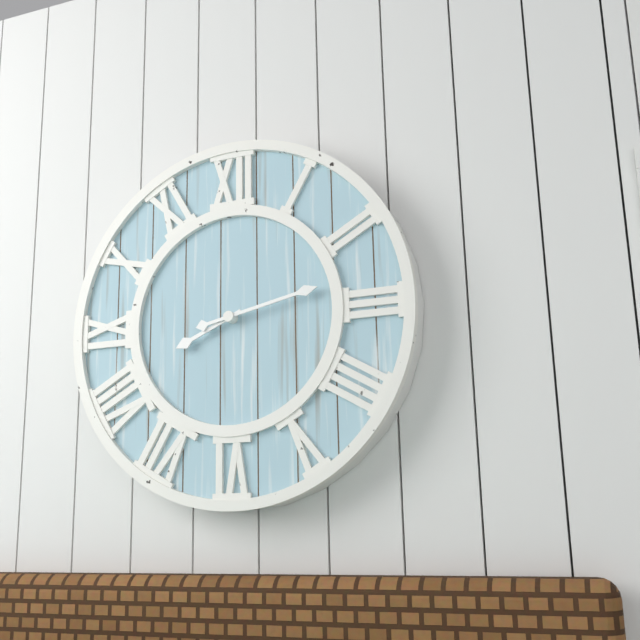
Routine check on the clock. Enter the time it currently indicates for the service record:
8:13
